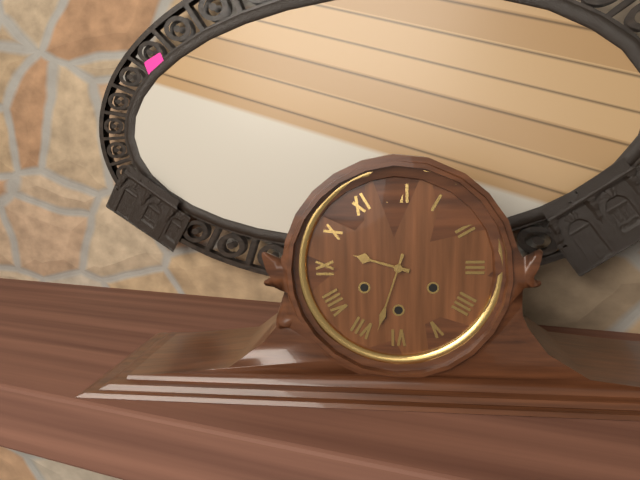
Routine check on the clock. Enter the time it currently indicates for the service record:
9:33
